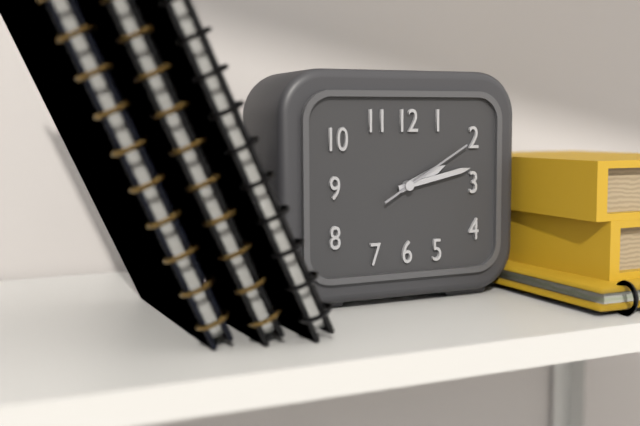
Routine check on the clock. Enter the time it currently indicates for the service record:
2:13:10
